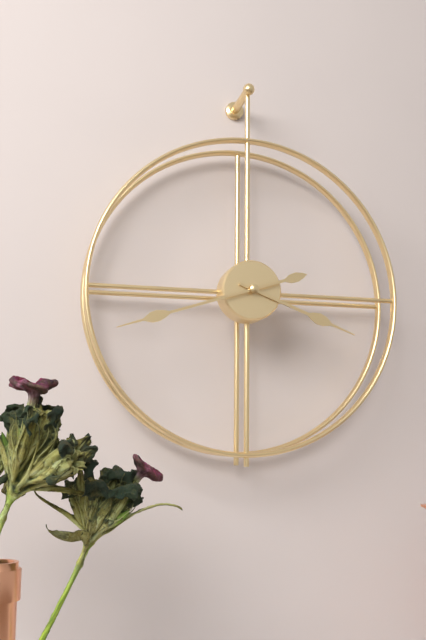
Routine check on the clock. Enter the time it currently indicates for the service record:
3:42
